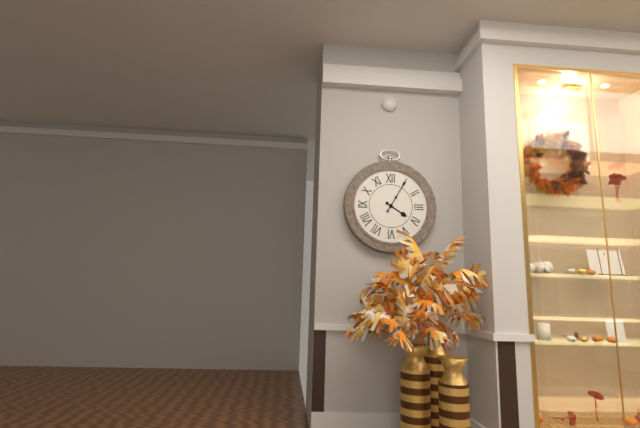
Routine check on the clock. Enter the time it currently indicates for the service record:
4:05
